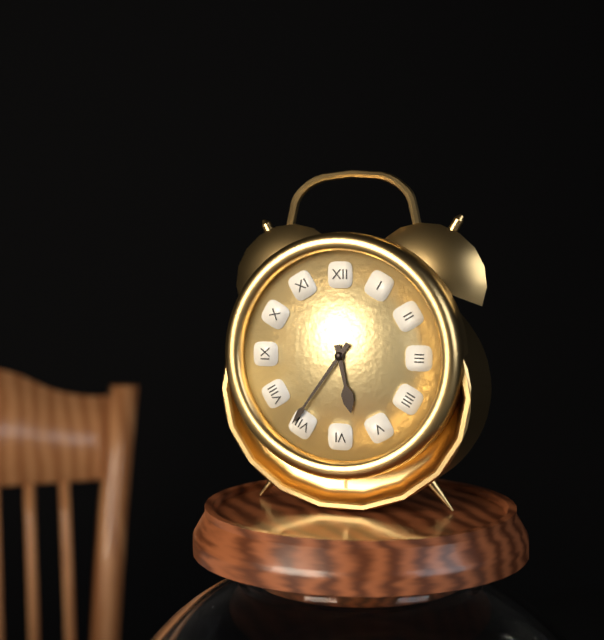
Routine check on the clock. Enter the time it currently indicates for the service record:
5:36
